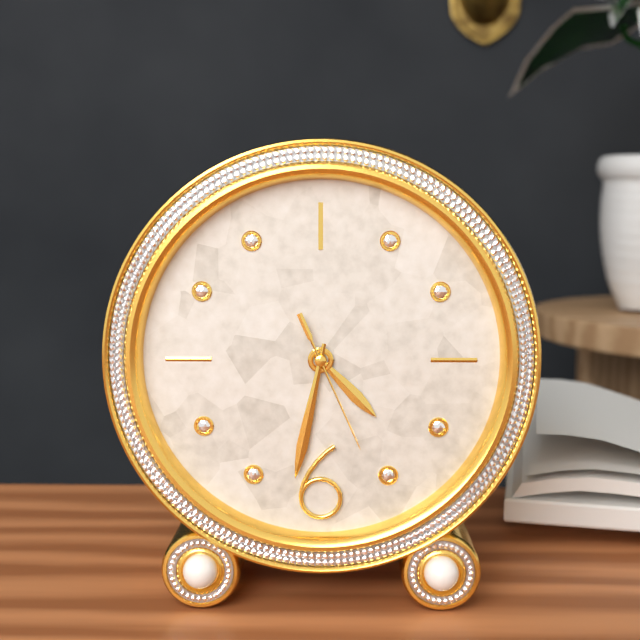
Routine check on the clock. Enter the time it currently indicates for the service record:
4:32:26
